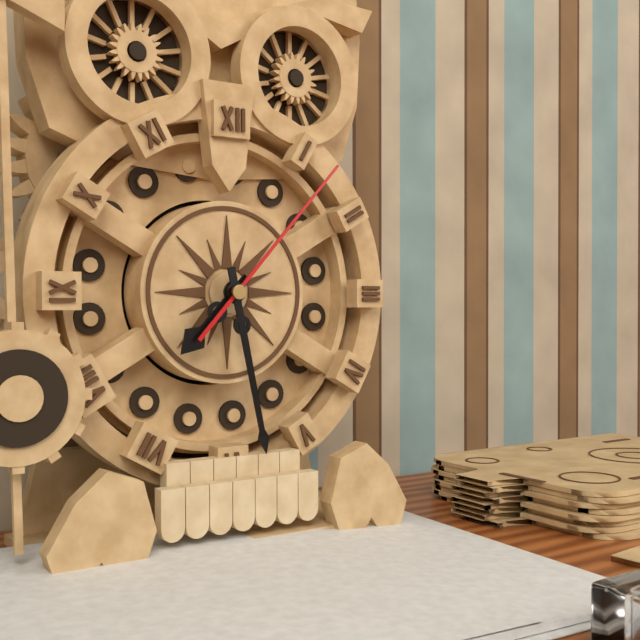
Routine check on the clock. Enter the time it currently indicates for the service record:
7:28:07
